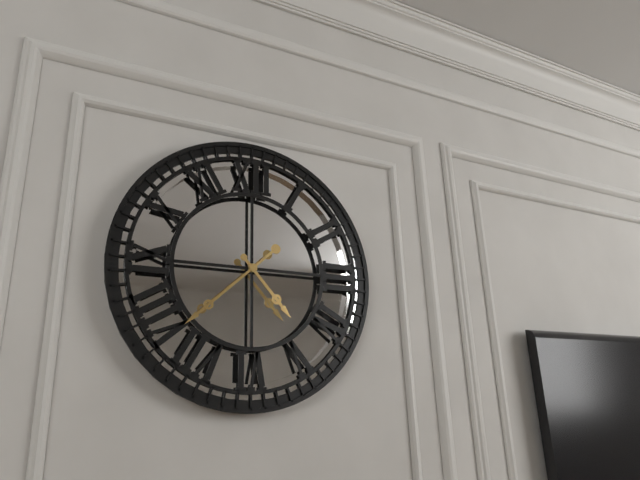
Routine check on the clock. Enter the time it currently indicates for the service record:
4:38
